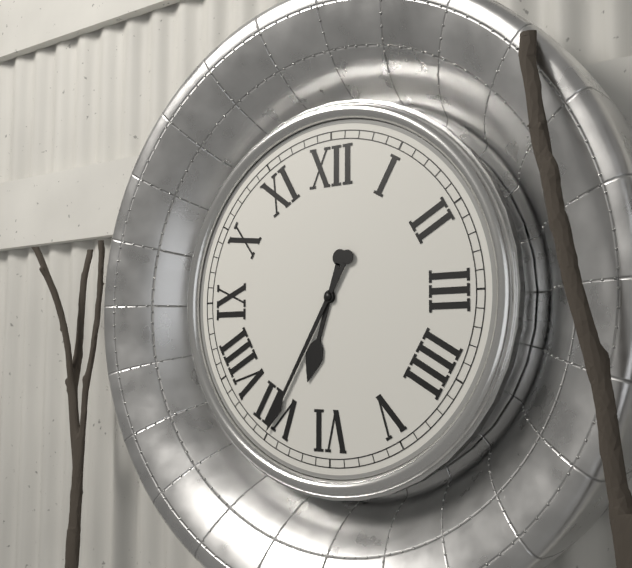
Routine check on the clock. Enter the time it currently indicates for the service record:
6:35
